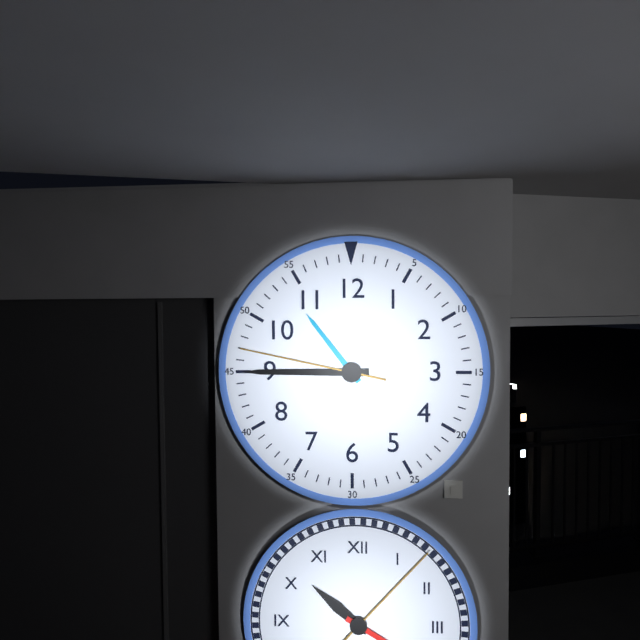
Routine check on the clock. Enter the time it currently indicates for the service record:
10:45:47
